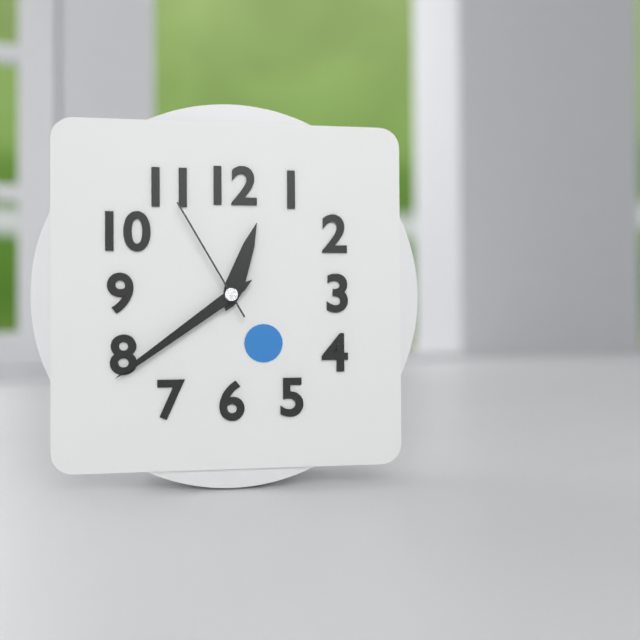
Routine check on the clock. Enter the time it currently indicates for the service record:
12:39:55
